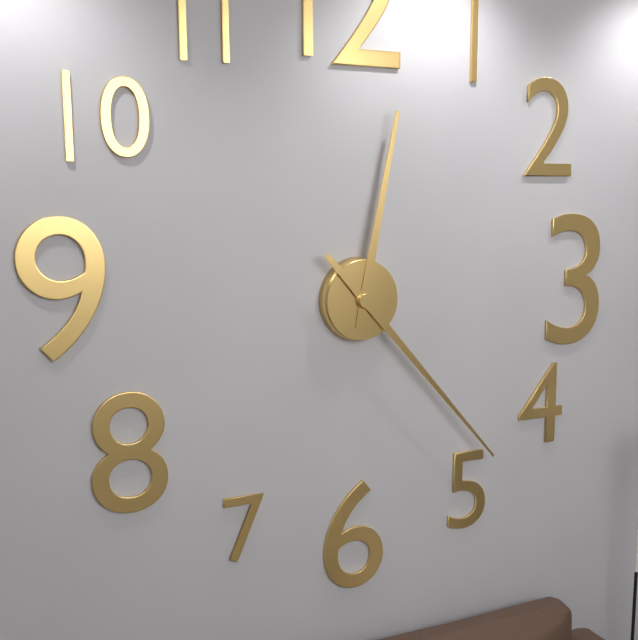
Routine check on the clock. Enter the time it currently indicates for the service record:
12:23
